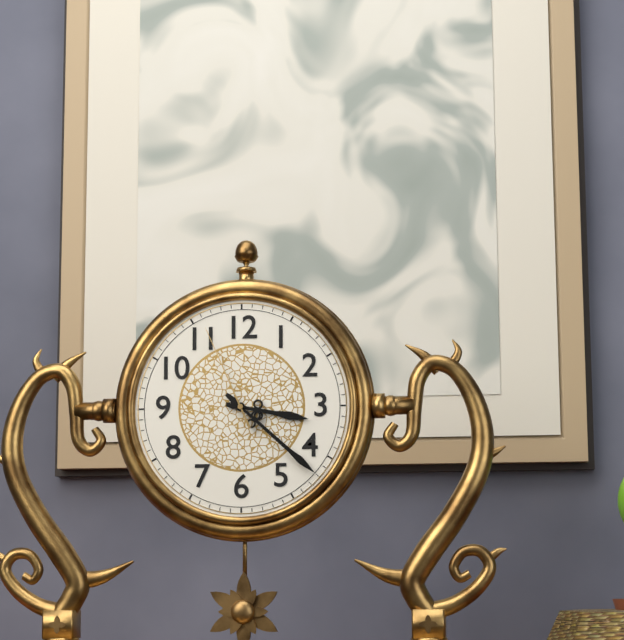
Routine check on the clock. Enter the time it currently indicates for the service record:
3:22:56
